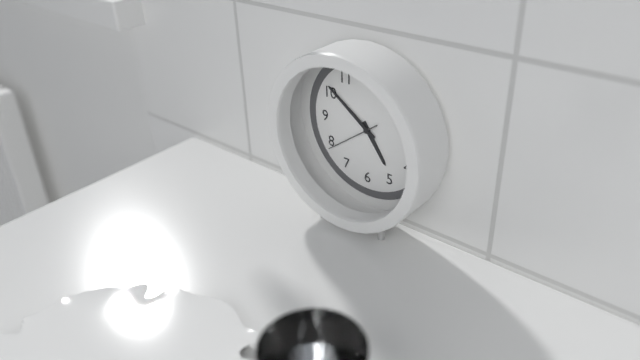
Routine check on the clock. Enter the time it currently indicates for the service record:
4:51:39
